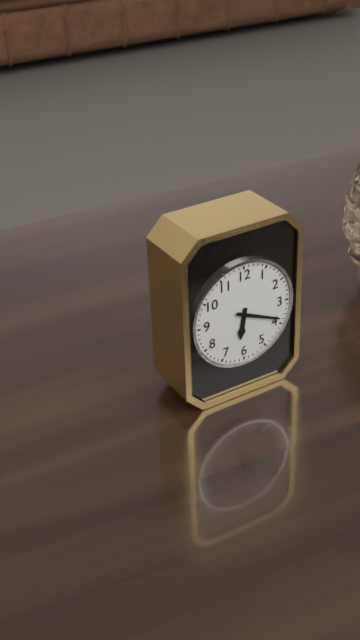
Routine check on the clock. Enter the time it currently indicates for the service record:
6:19
